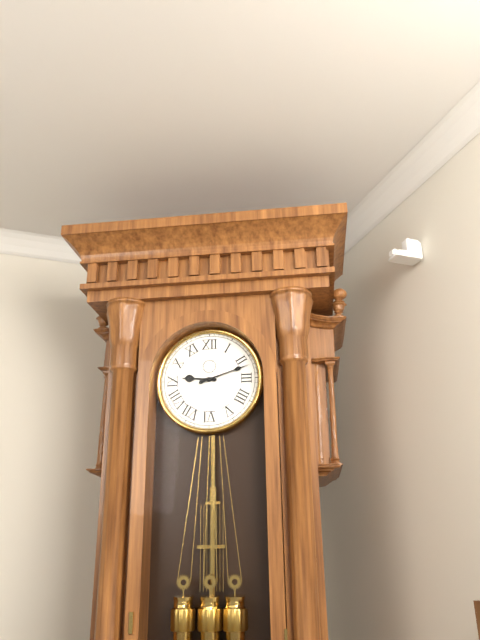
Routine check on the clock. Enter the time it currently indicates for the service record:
9:12
